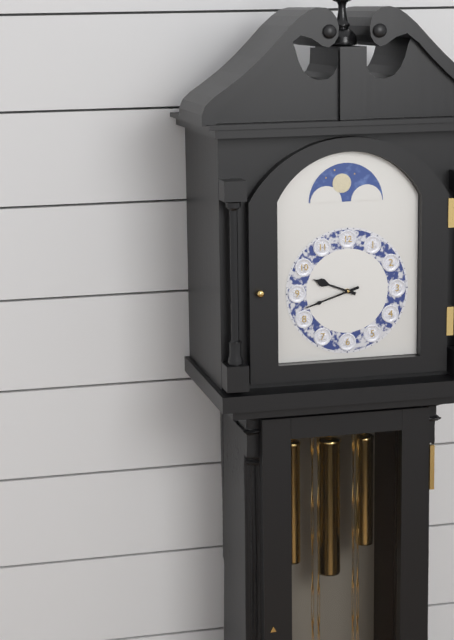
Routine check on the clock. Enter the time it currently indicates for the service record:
9:42
